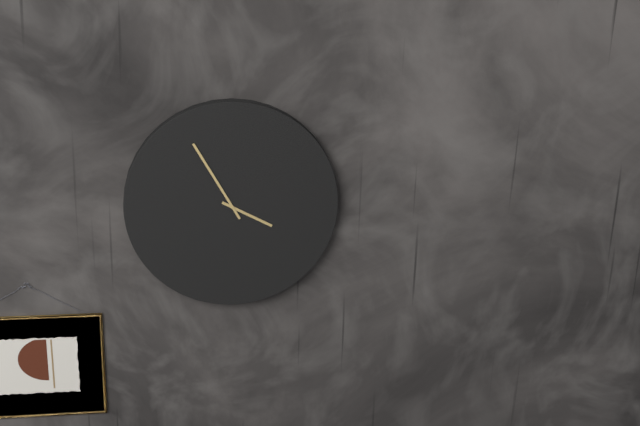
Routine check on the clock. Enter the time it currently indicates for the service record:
3:55
